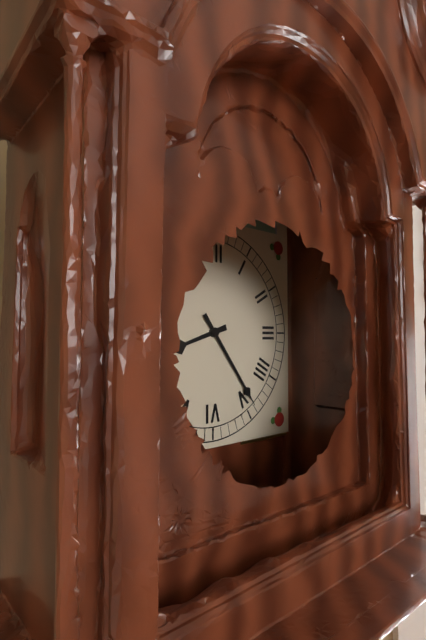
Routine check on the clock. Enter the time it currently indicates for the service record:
8:24
